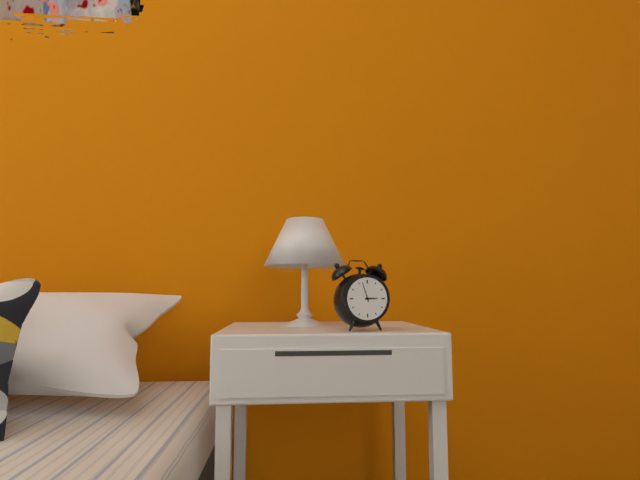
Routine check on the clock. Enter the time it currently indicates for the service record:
2:57
